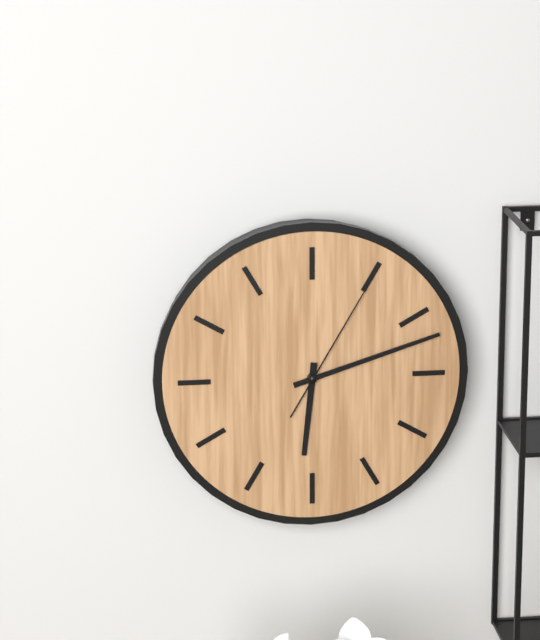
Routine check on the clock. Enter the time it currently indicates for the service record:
6:12:05
